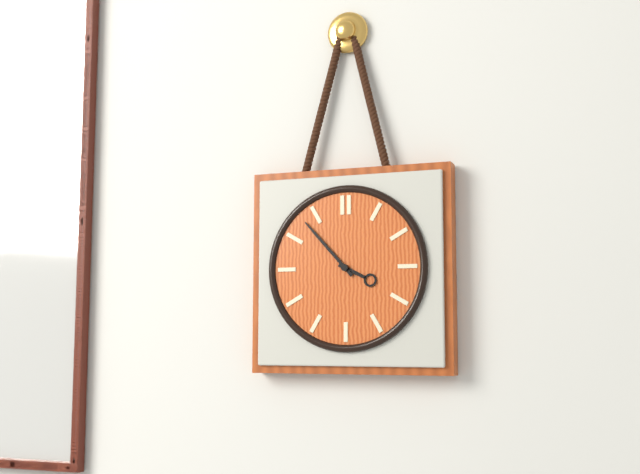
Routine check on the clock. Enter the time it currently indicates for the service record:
3:53
